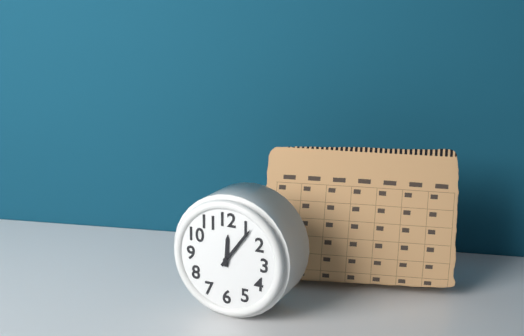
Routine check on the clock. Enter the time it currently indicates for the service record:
12:06
